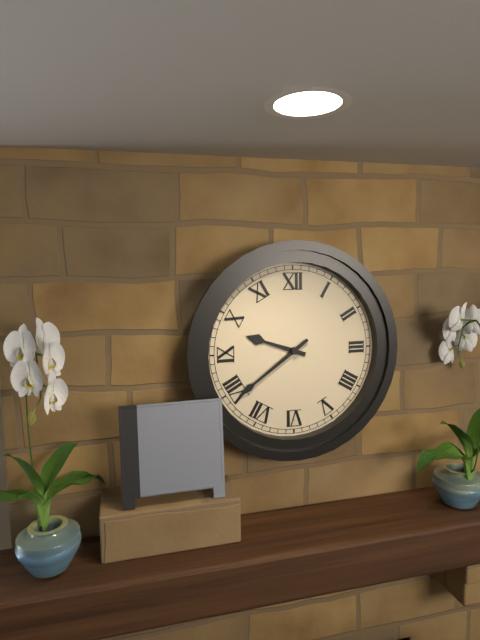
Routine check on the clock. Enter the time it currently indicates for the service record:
9:39
